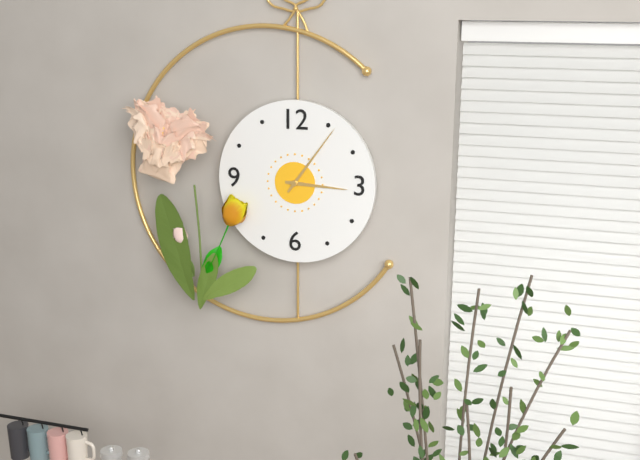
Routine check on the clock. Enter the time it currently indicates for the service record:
3:06
